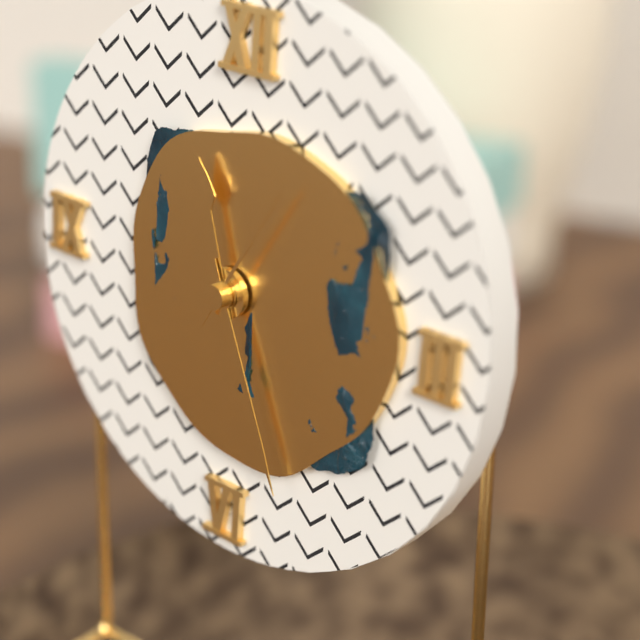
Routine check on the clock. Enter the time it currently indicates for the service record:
11:26:05
